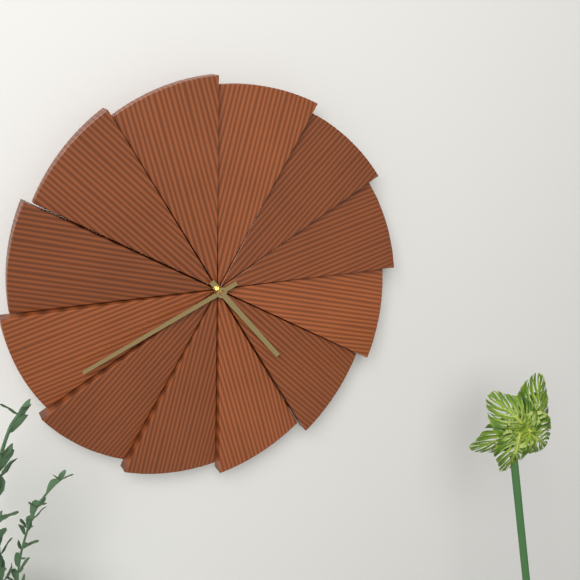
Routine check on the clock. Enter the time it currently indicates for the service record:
4:41
